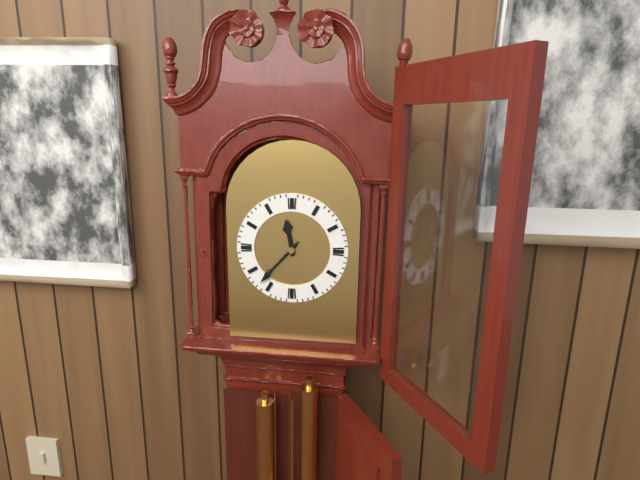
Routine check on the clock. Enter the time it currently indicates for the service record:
11:37
